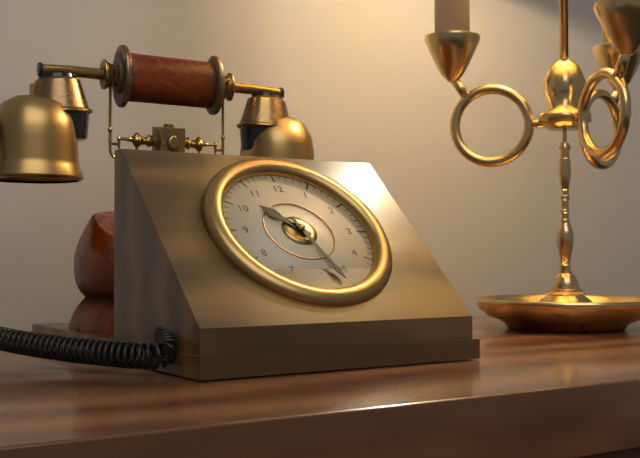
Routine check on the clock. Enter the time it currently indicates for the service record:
10:27
